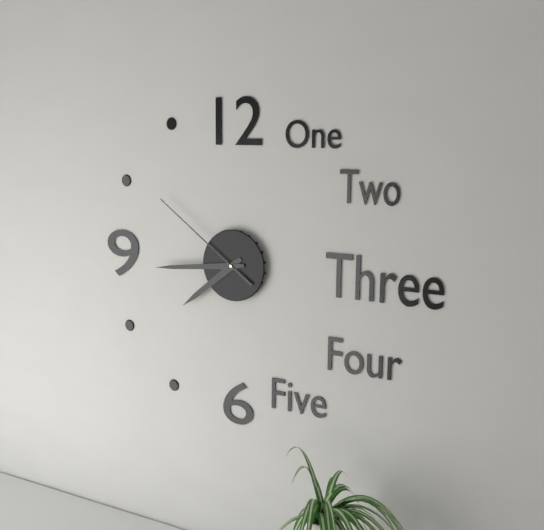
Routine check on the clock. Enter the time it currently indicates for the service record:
7:44:51
